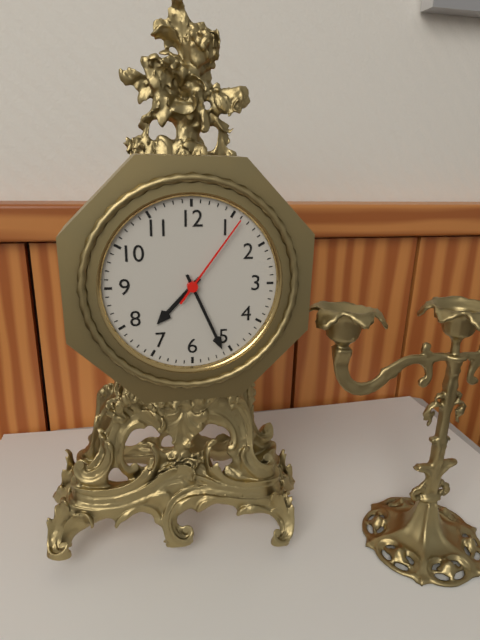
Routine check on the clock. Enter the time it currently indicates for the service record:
7:26:06
